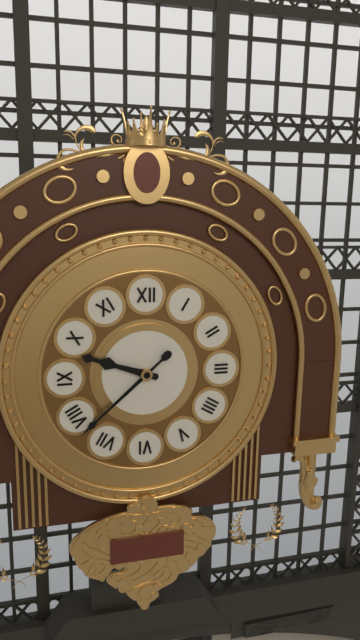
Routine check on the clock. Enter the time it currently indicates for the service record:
9:38
